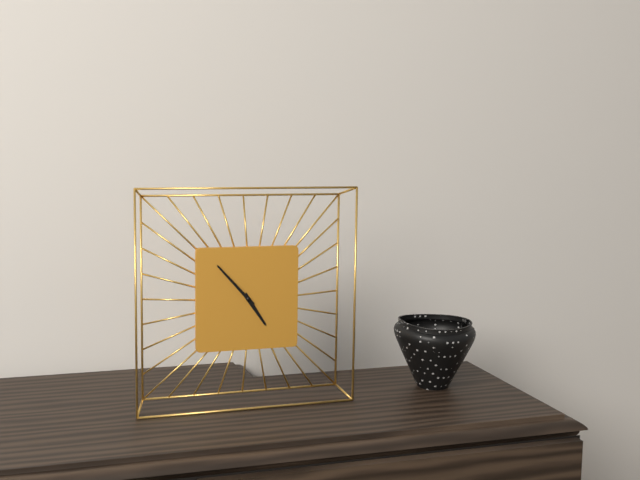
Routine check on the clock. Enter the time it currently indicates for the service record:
4:53
